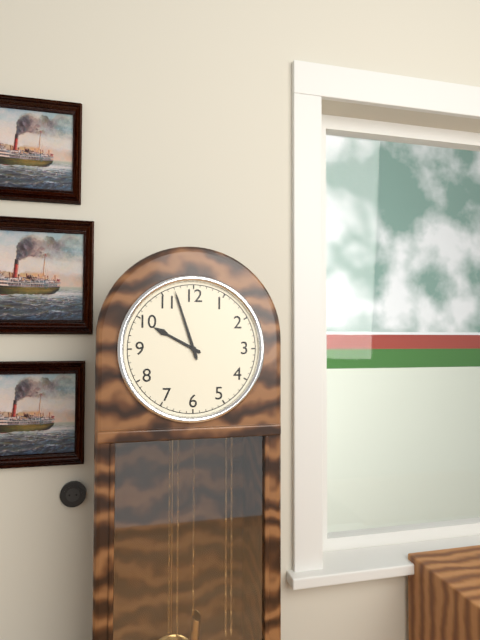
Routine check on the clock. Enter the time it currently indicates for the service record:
9:57
